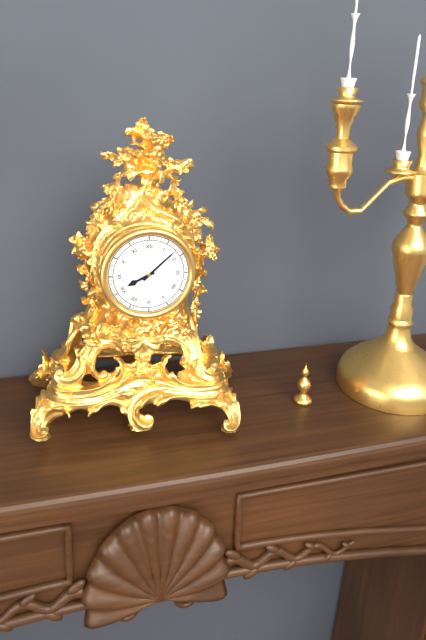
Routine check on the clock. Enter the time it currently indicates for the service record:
8:08
